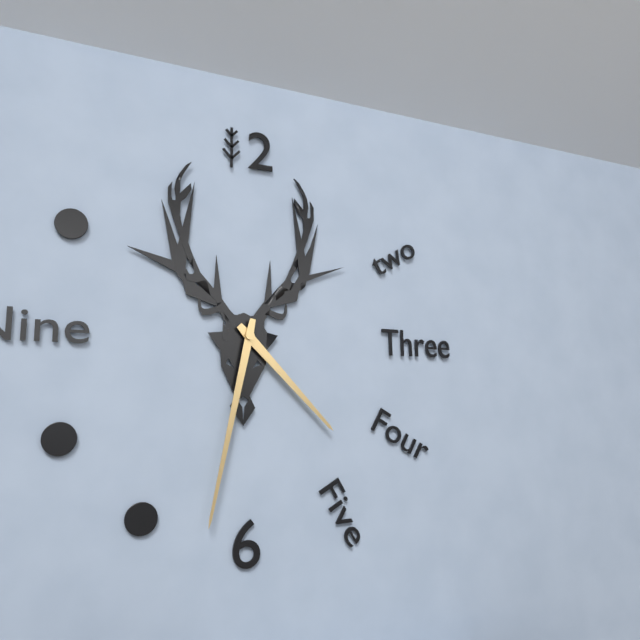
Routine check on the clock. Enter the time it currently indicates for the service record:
4:32
